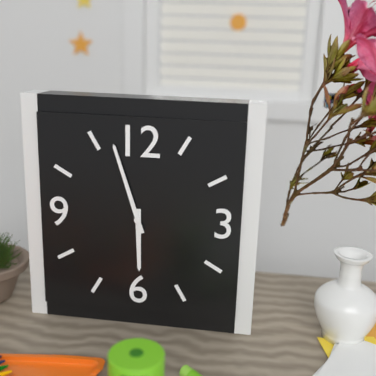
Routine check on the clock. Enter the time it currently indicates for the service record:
5:57
